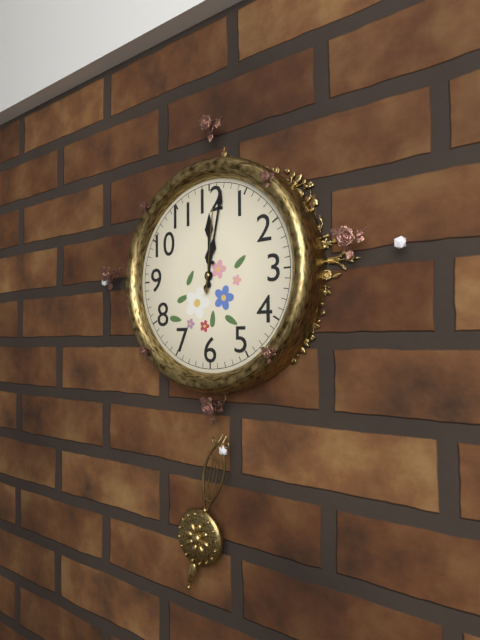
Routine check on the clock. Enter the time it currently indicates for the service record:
12:02:01
